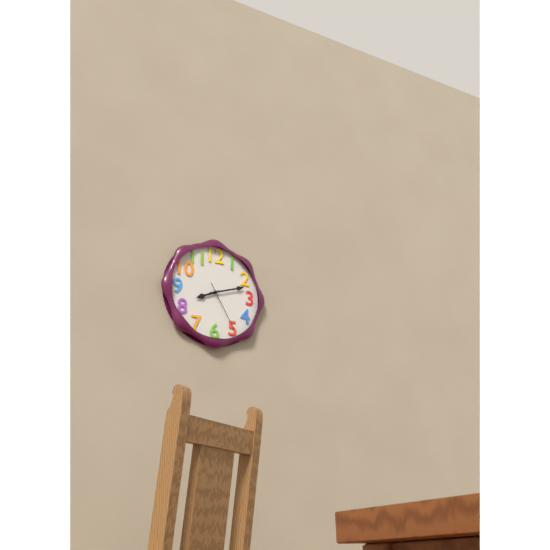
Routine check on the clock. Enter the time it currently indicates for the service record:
8:12:25
